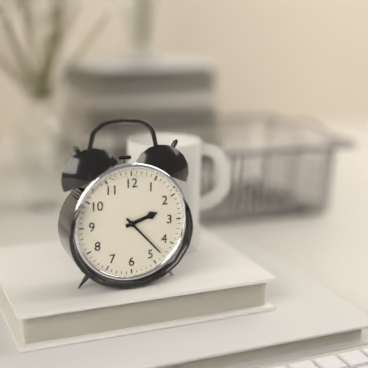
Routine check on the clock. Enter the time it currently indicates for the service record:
2:23
